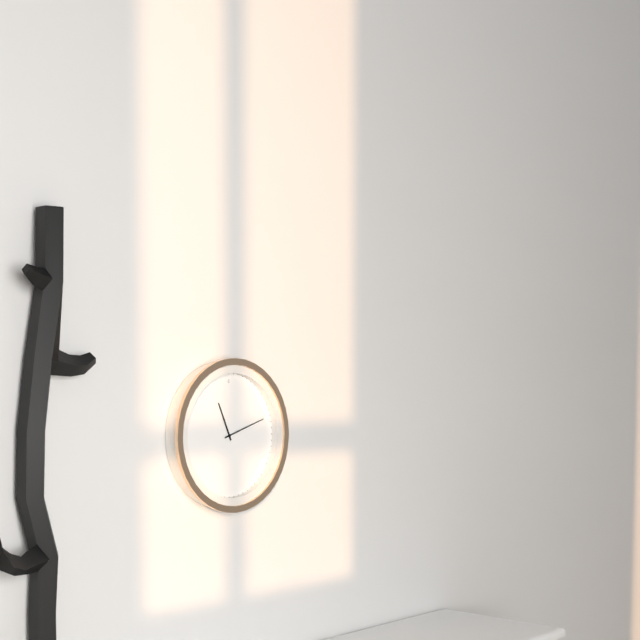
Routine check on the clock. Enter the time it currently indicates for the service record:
11:12
